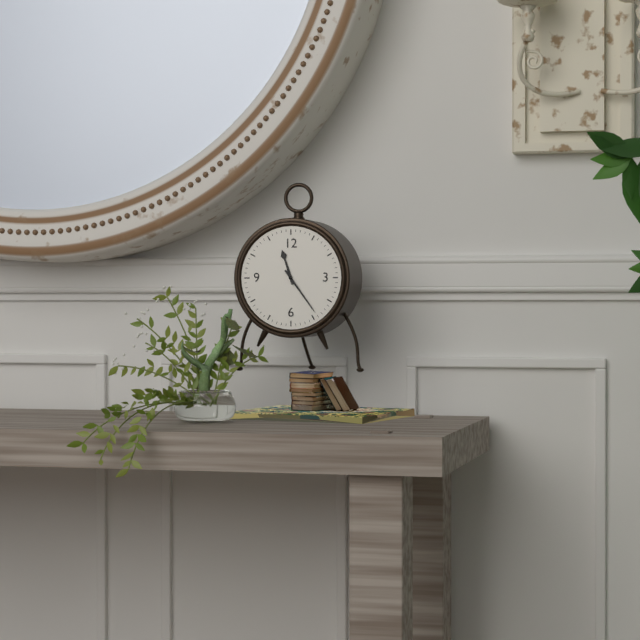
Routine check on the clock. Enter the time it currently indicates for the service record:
11:24
